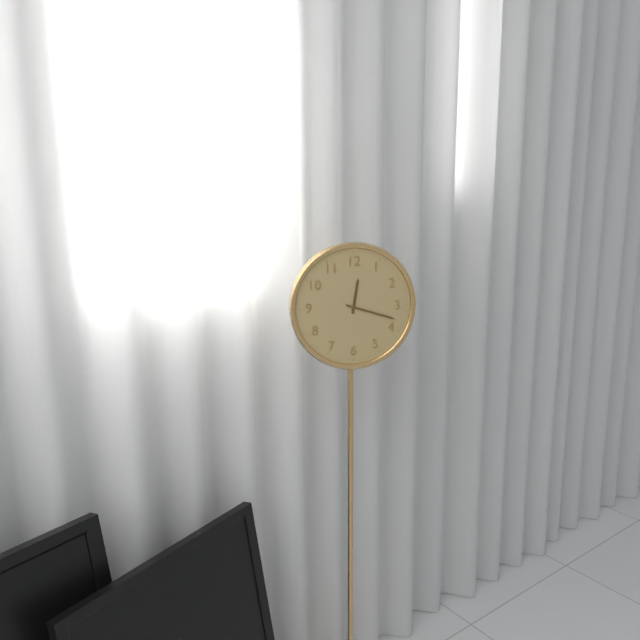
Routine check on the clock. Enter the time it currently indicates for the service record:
12:18
